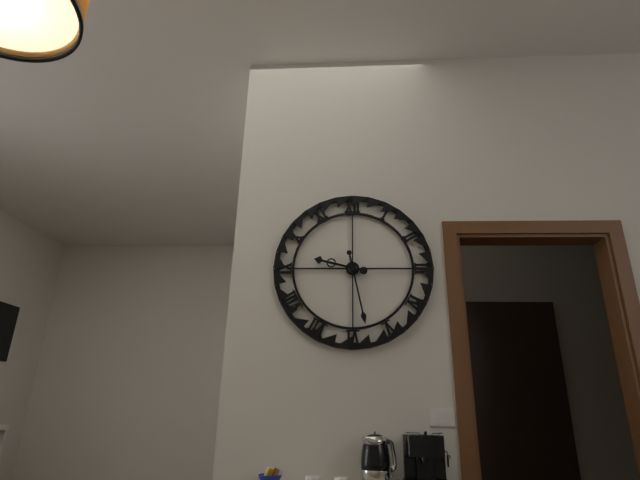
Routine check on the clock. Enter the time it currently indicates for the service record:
9:28
